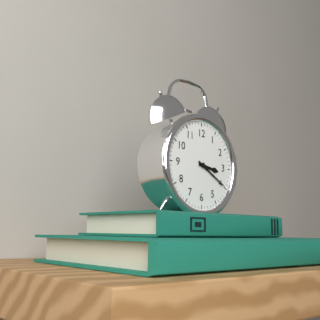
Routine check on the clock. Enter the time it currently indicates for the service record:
3:20
